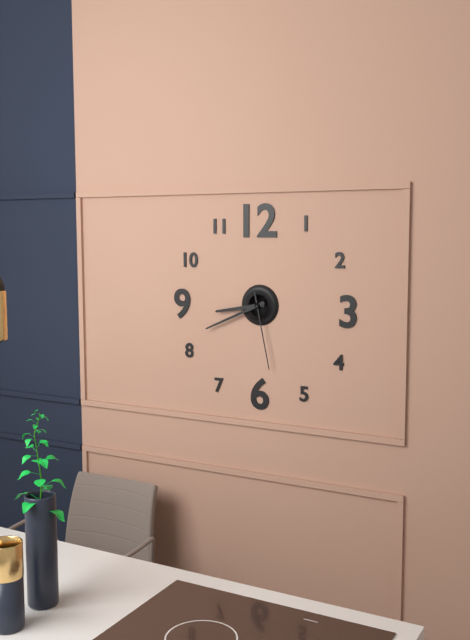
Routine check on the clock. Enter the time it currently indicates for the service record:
8:41:28
